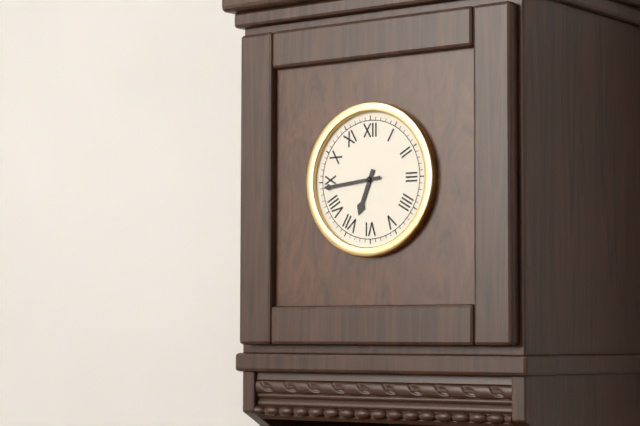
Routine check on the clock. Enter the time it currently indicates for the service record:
6:44
